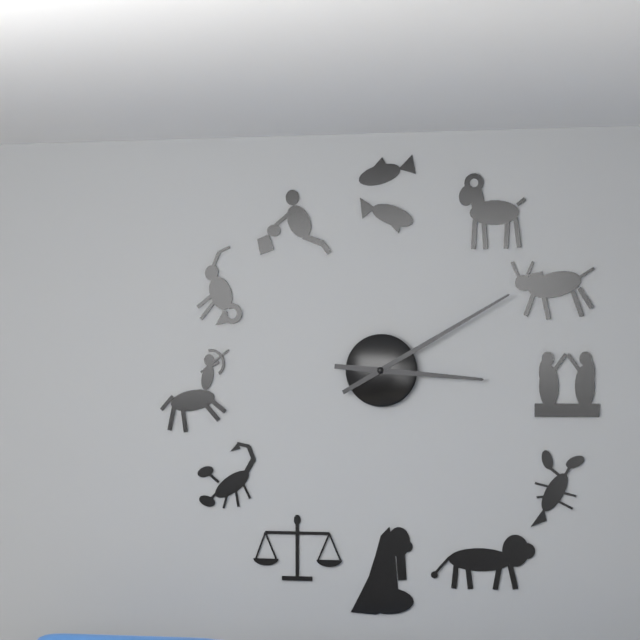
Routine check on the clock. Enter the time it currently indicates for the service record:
3:10
